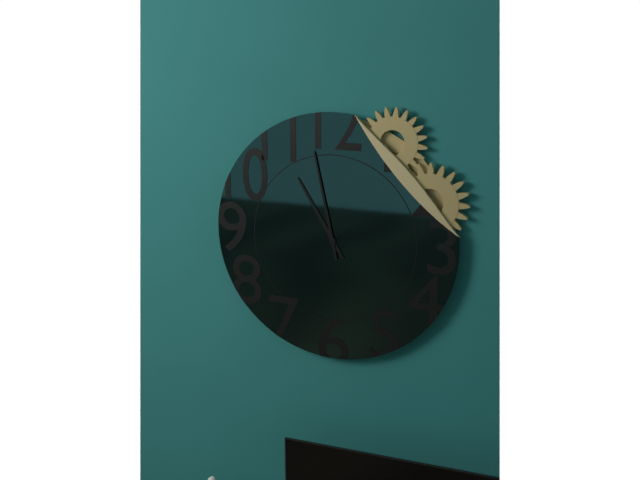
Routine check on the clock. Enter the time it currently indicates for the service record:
10:58
